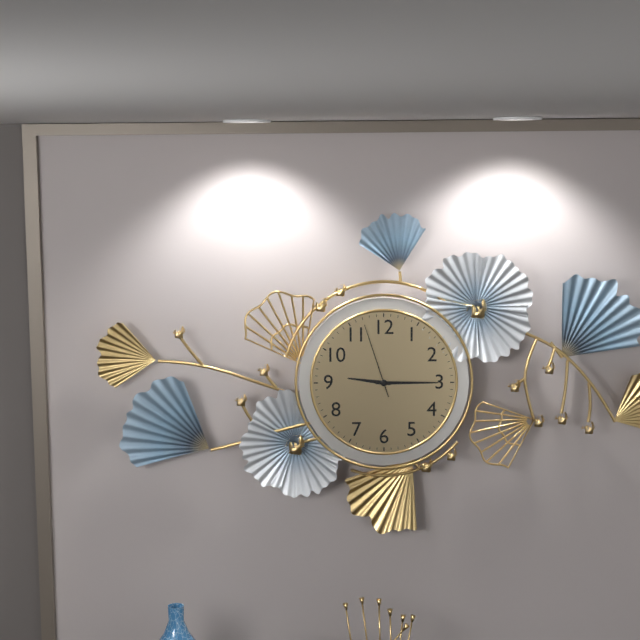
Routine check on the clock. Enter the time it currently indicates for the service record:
9:15:57
